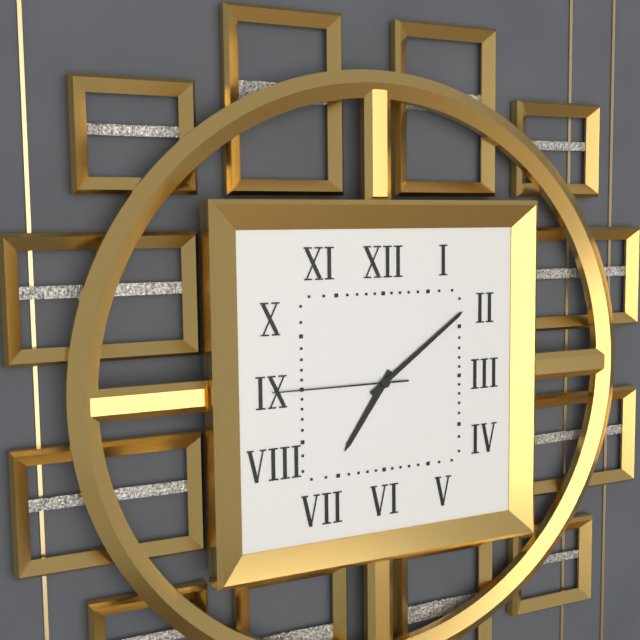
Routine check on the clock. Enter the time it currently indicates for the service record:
7:09:45
